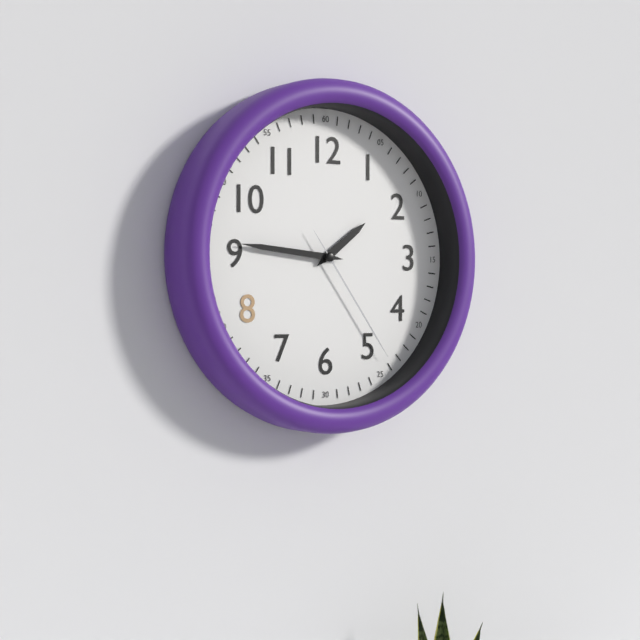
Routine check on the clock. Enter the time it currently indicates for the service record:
1:46:24
